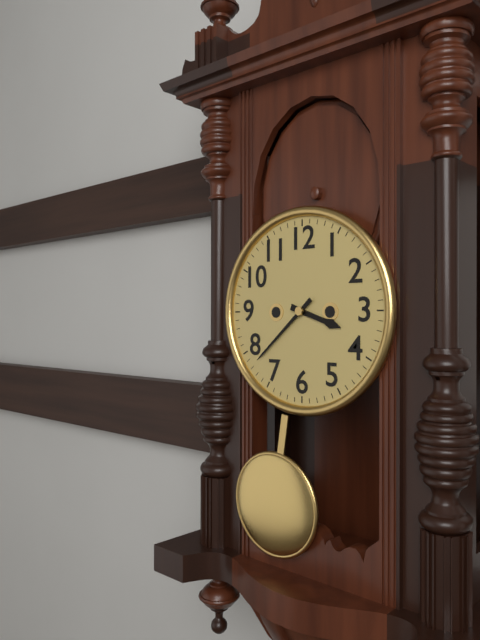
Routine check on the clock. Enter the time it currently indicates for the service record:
3:38
